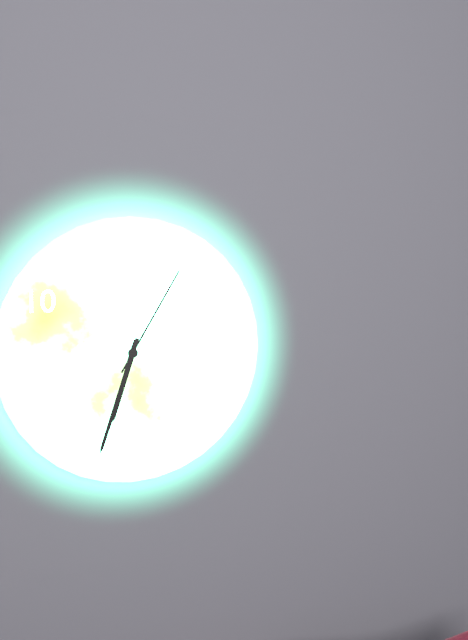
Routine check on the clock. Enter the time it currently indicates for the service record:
6:33:05
